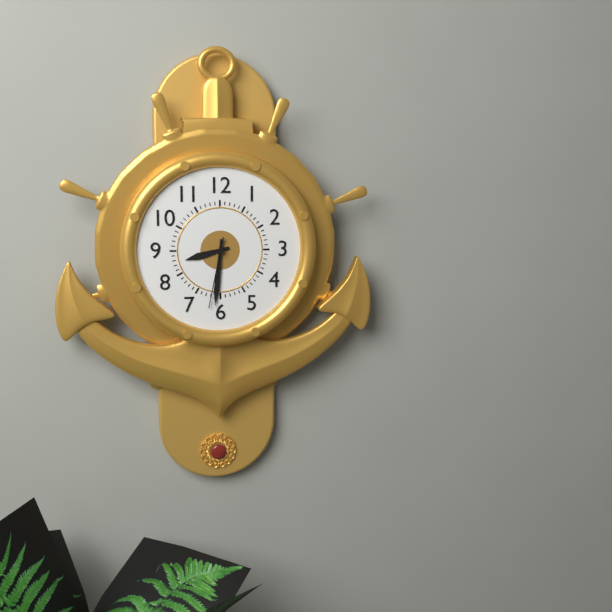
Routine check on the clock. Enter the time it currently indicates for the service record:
8:31:32
